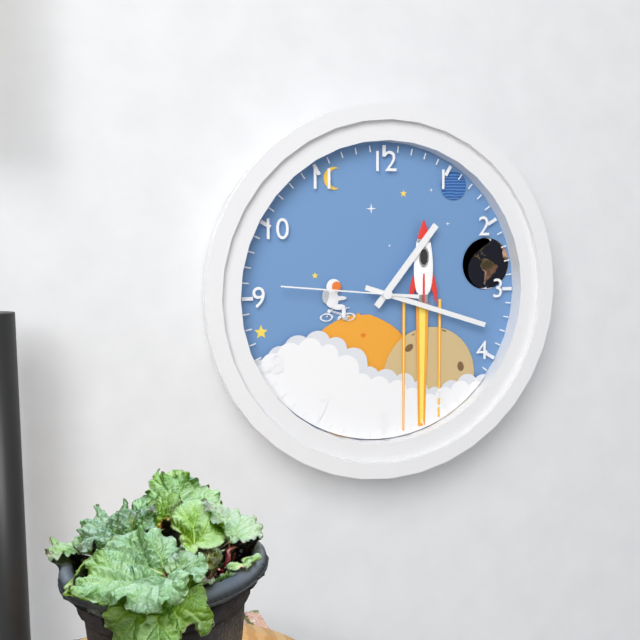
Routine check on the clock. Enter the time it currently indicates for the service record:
1:18:46
